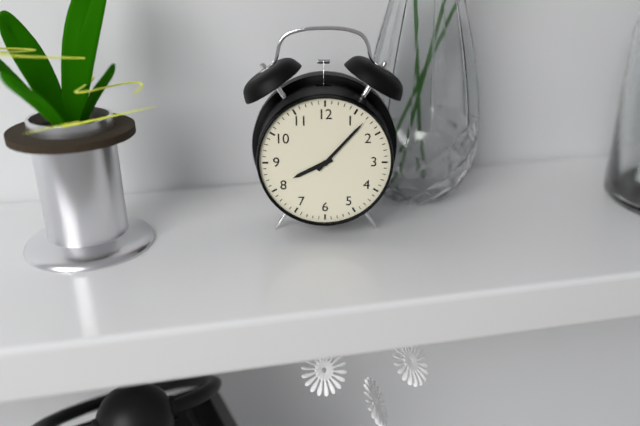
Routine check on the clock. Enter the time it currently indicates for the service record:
8:07
